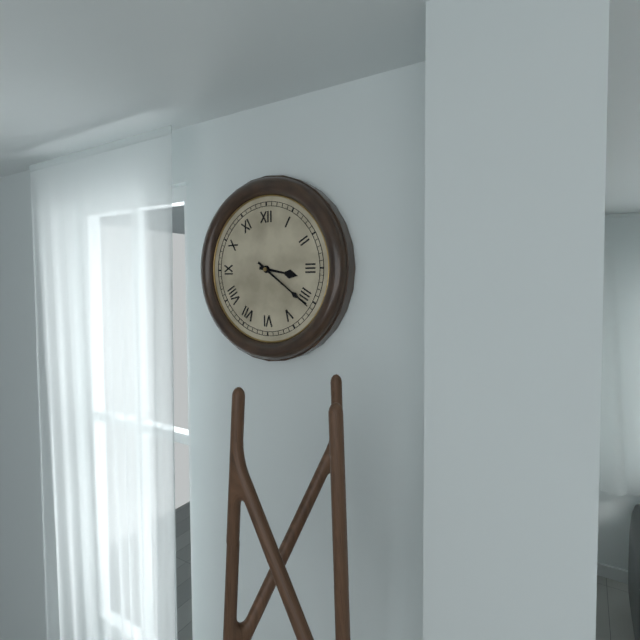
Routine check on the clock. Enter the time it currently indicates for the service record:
3:21
